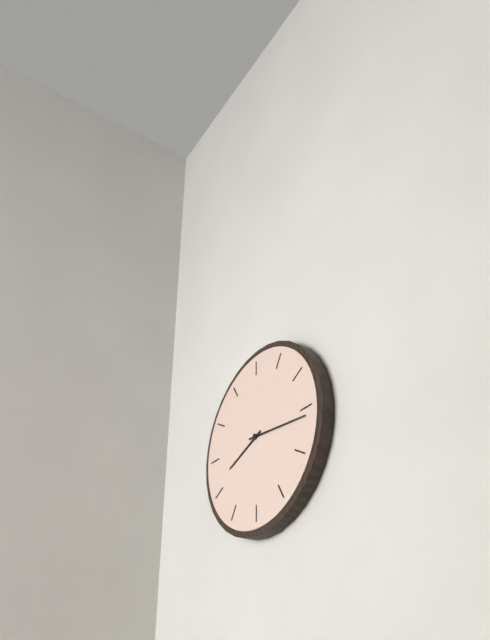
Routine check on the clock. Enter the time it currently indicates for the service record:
8:16
